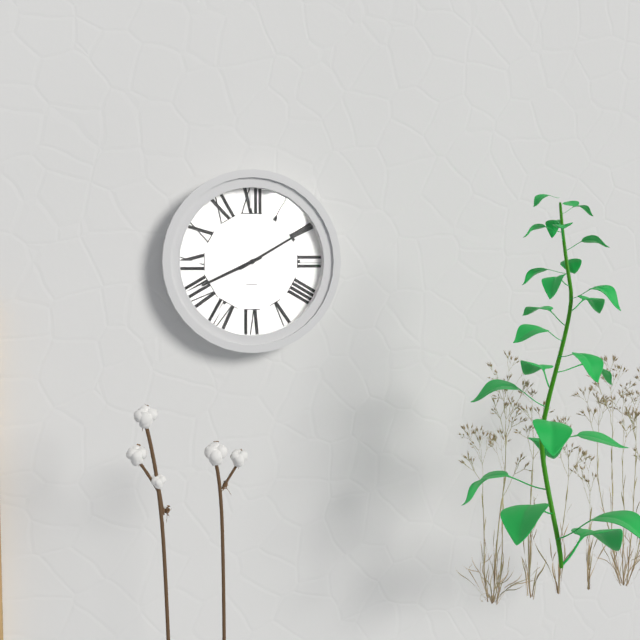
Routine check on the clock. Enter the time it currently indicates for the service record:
8:10
